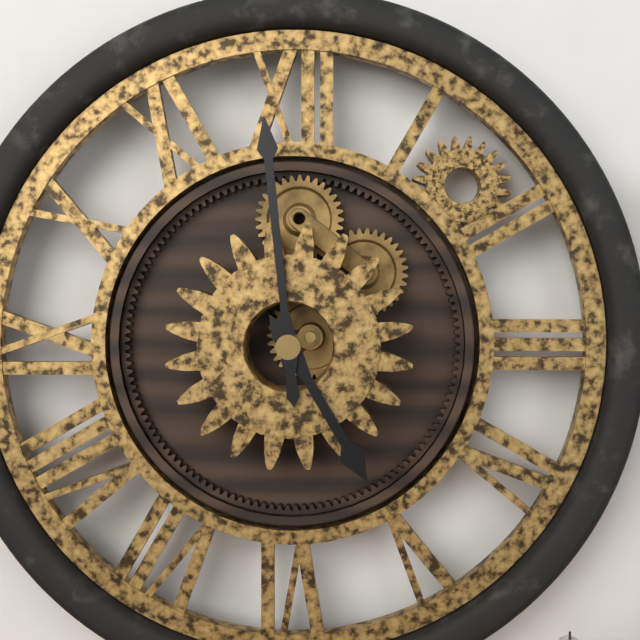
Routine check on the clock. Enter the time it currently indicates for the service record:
4:59
